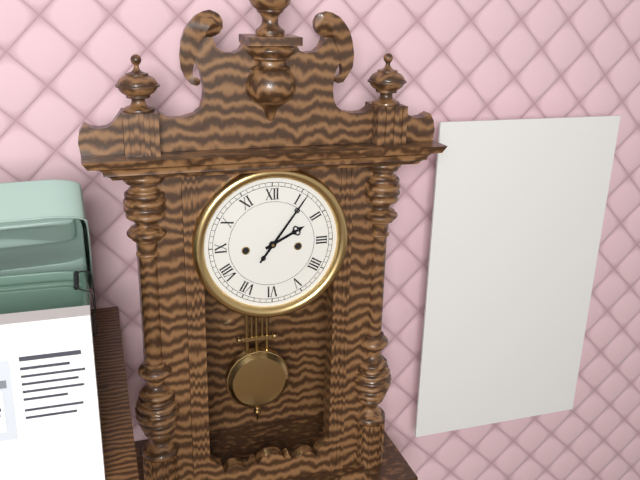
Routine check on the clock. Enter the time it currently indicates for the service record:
2:06
